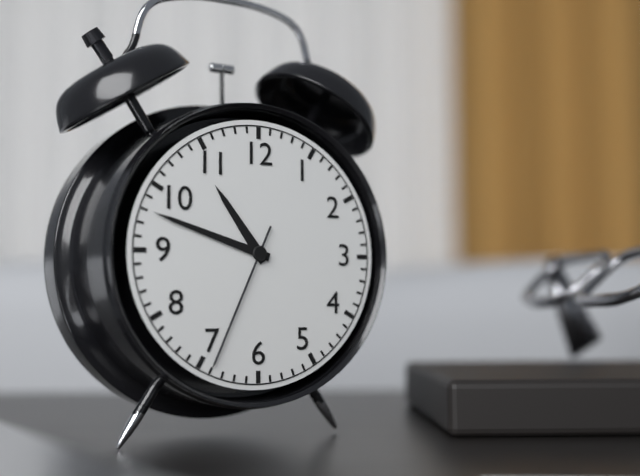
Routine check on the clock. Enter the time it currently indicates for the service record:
10:48:34
